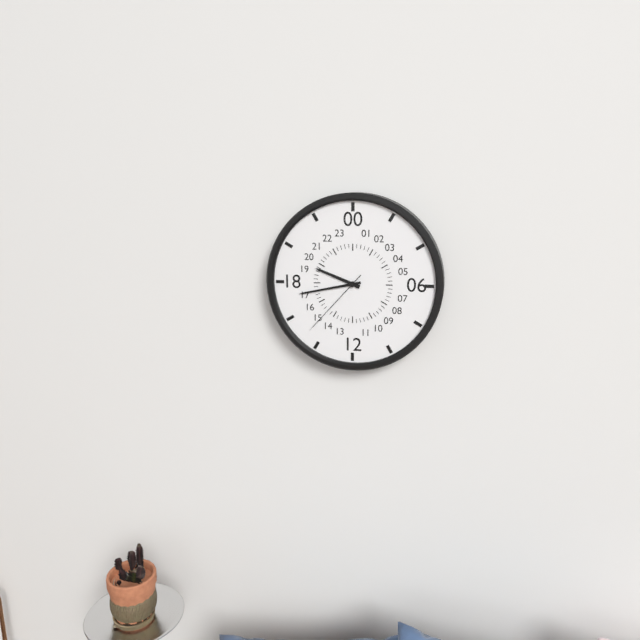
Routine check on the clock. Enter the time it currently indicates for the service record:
9:43:37
